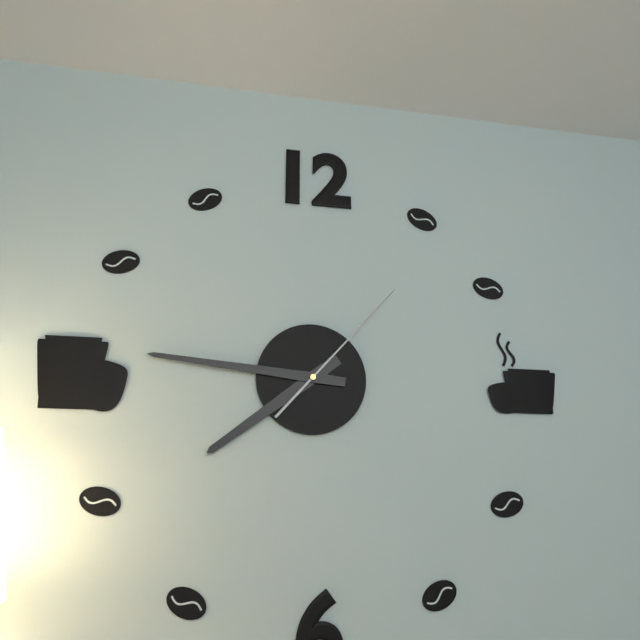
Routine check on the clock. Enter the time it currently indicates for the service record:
7:46:07
